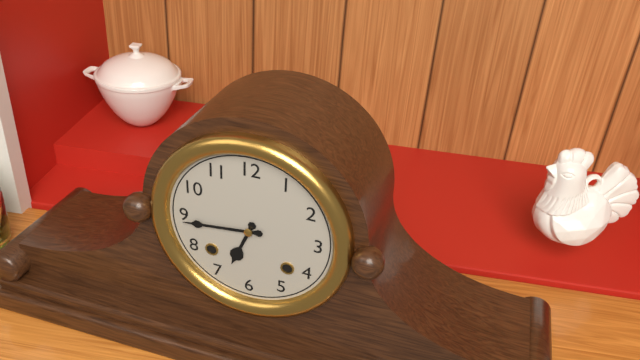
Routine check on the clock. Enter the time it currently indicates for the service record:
6:44
